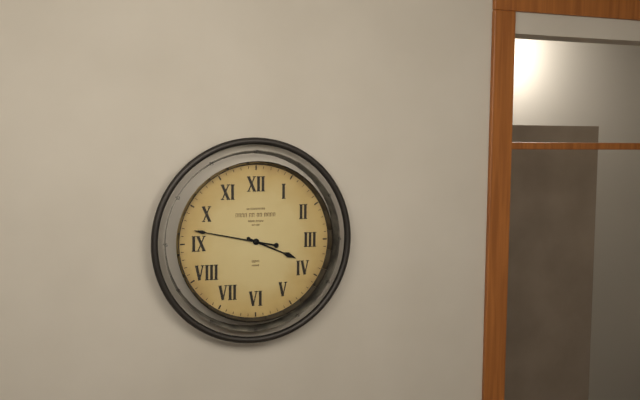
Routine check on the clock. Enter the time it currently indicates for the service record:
3:47
